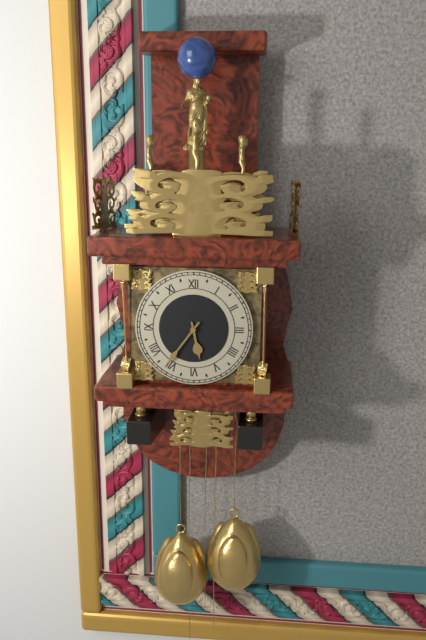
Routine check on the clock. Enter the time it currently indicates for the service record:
5:36
